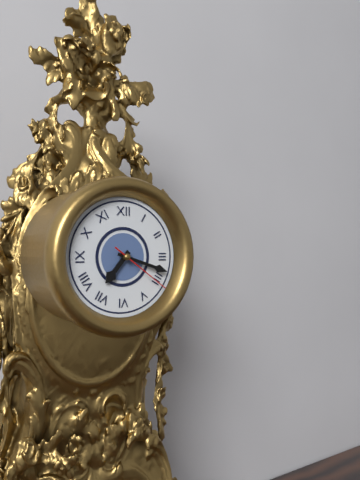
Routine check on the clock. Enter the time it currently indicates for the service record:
7:18:21
